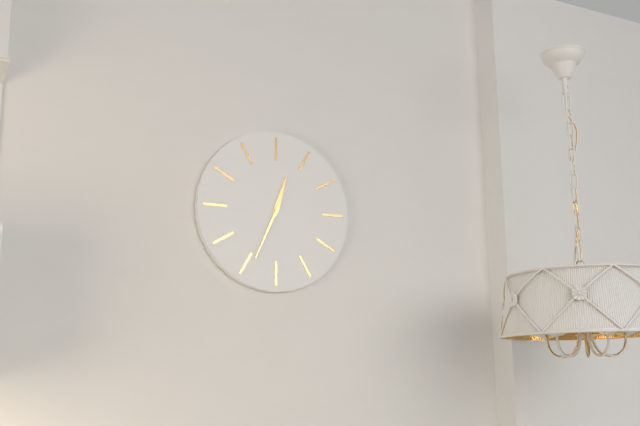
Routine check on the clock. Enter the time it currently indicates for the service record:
12:34
